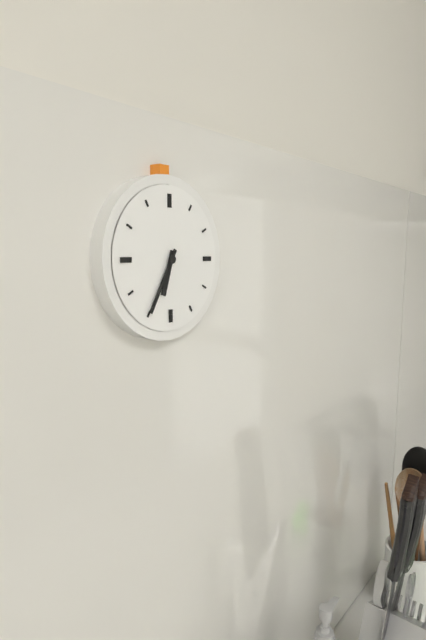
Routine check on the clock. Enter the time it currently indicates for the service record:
6:35
